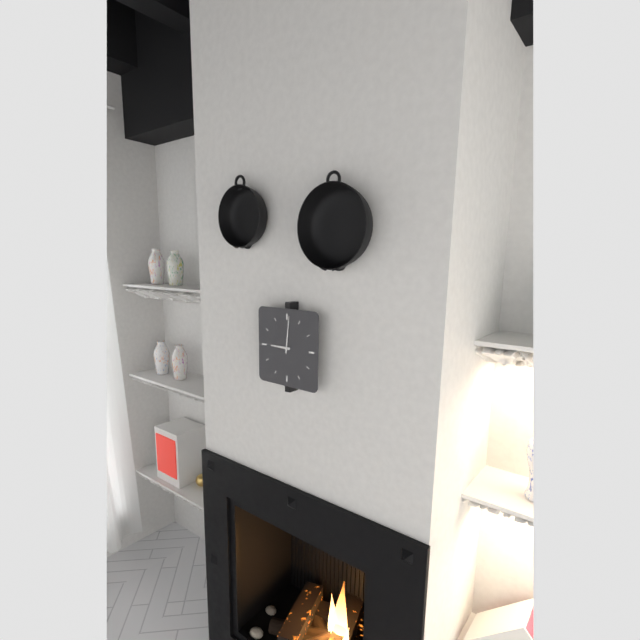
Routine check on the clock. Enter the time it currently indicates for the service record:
9:01
